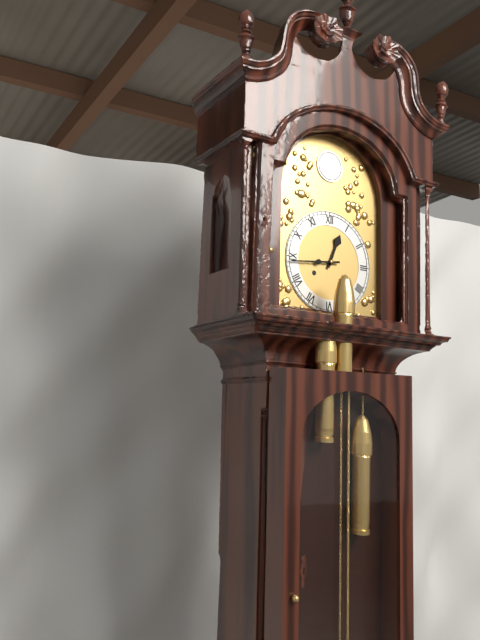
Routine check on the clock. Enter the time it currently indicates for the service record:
12:44
